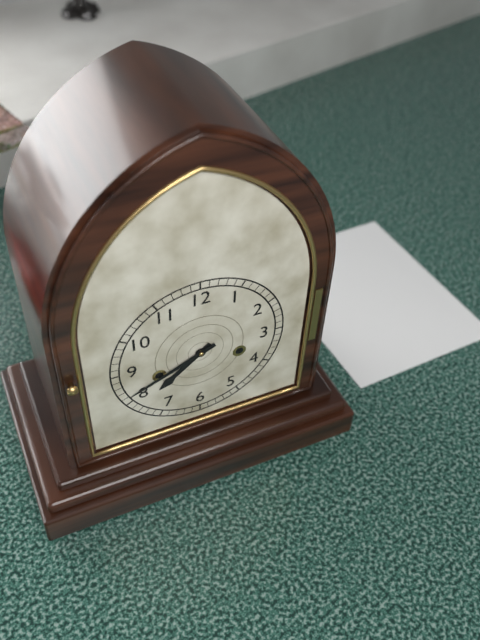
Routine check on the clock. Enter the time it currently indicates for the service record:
7:41
